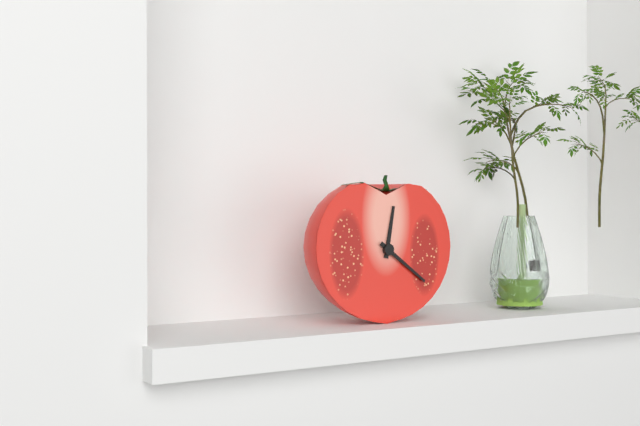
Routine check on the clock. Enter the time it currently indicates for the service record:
12:21
